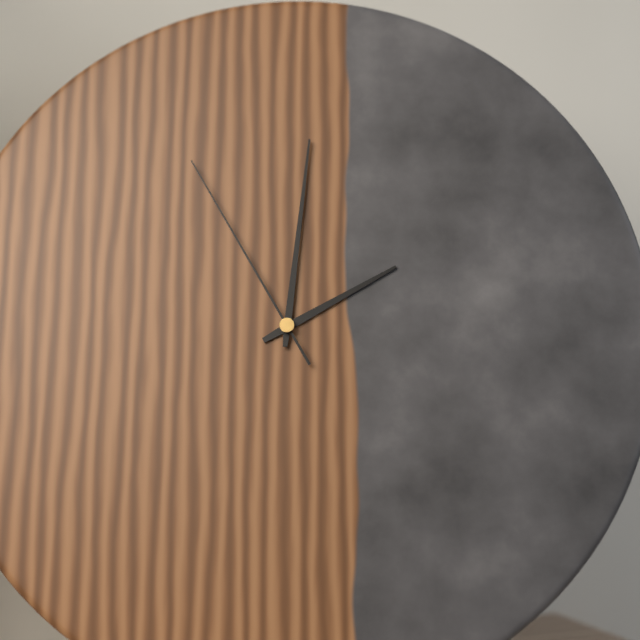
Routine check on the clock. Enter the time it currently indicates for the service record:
2:01:55
